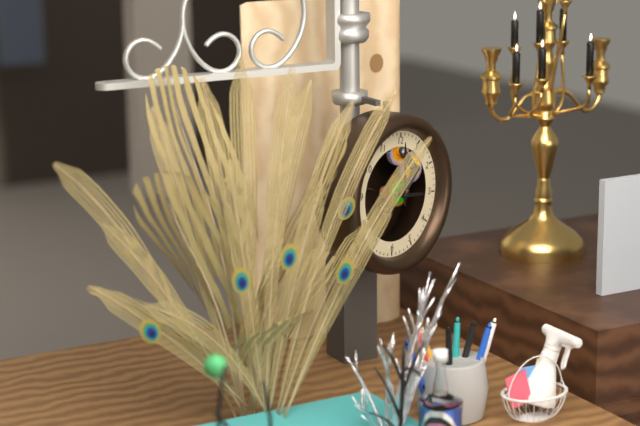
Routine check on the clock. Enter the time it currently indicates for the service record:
2:59
